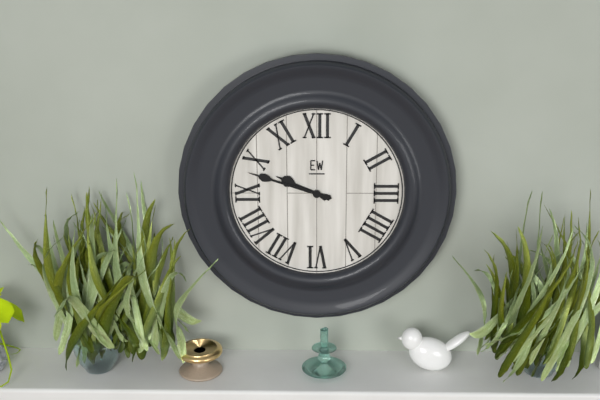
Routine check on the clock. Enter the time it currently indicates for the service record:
9:48
